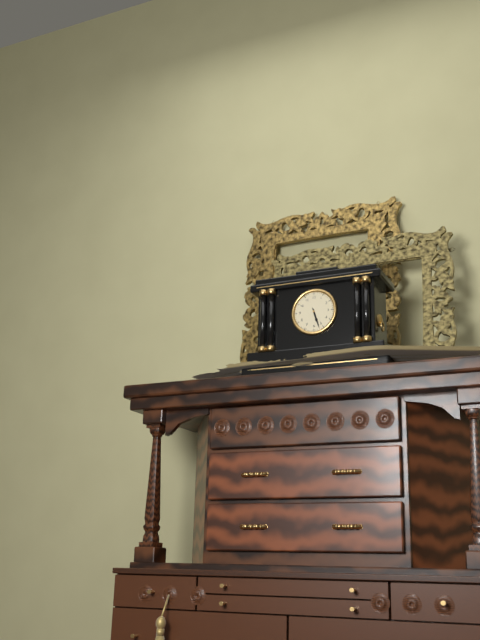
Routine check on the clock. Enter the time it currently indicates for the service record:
5:27
